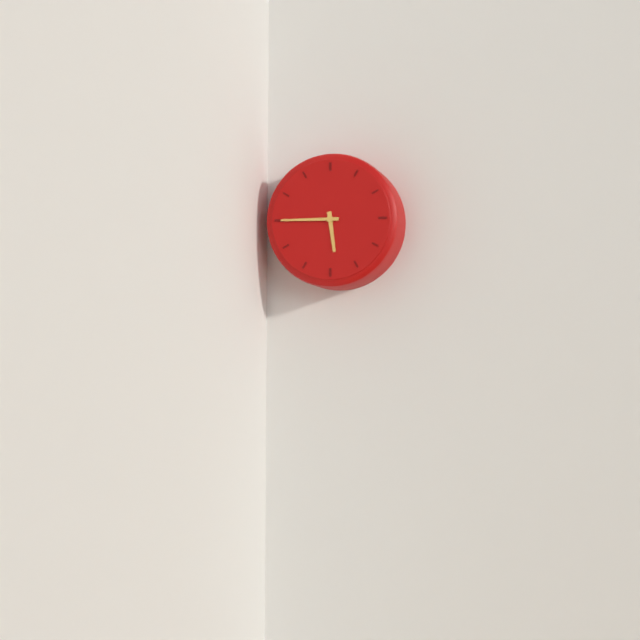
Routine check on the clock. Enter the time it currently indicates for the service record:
5:45
